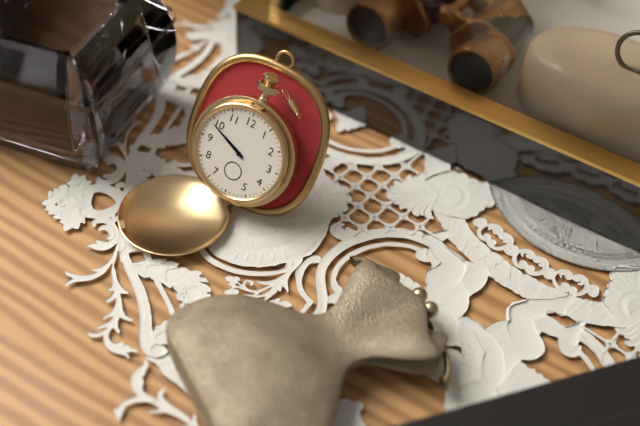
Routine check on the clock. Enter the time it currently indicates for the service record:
9:49
